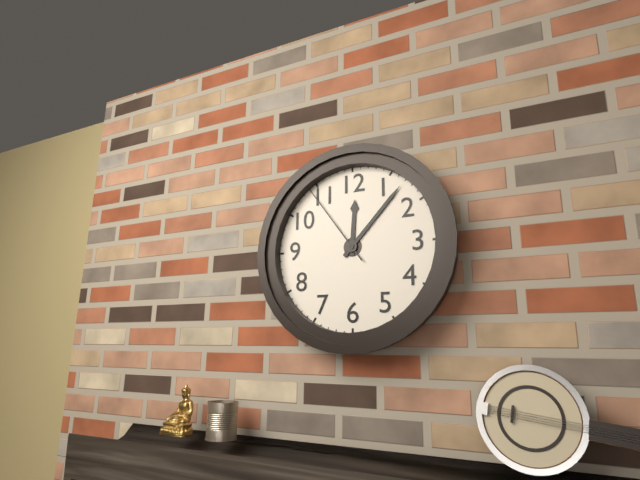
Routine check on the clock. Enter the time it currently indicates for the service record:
12:07:54
